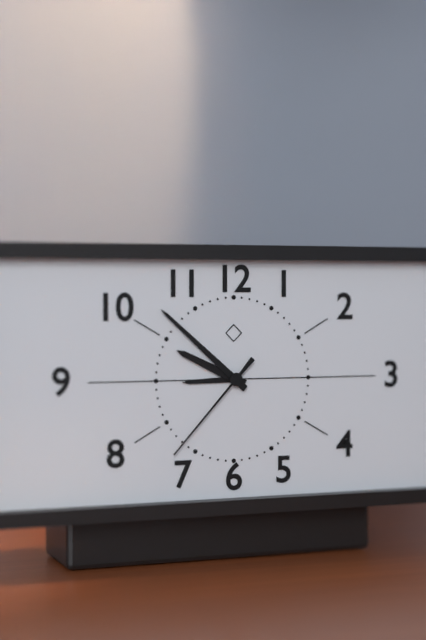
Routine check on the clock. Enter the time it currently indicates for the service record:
9:52:37
